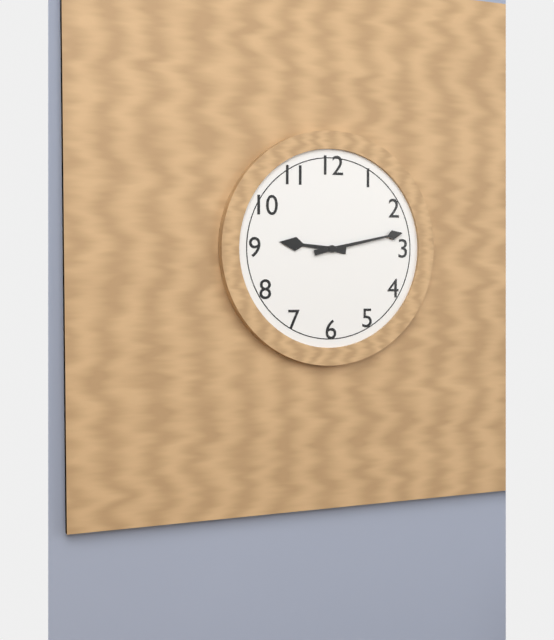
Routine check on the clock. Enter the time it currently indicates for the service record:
9:13
